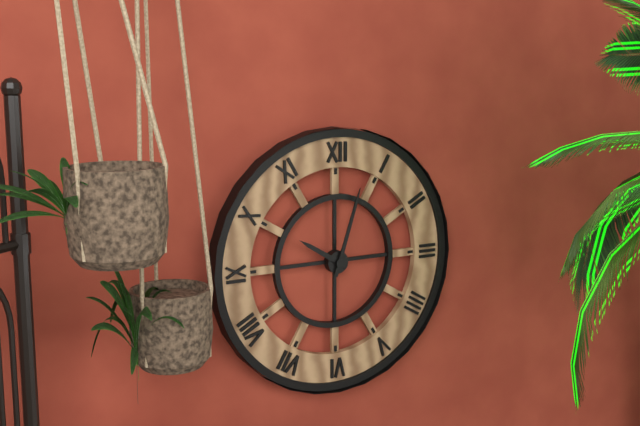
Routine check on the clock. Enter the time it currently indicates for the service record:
10:03
